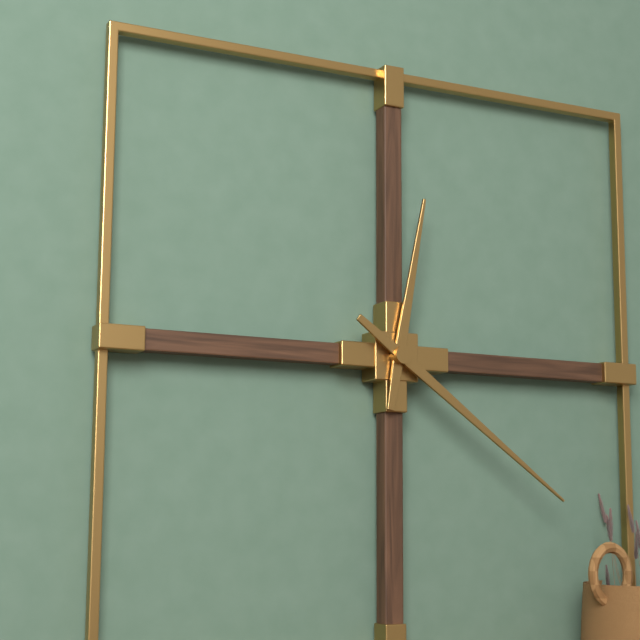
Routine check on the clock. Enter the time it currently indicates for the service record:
12:21
